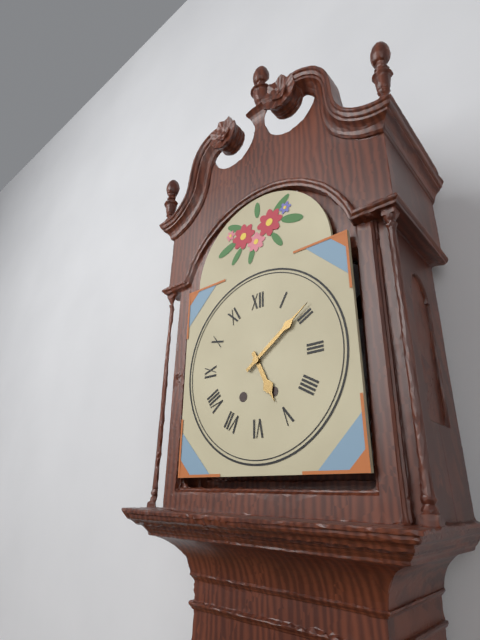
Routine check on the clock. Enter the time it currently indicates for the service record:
5:09
